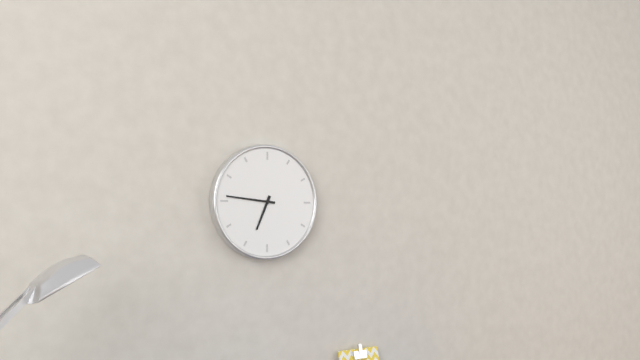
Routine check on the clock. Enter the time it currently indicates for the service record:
6:46
